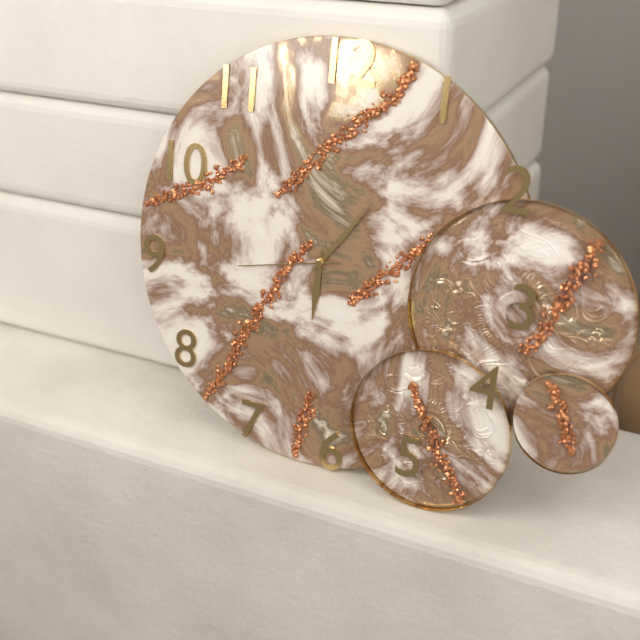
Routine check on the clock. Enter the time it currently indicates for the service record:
6:06:43
